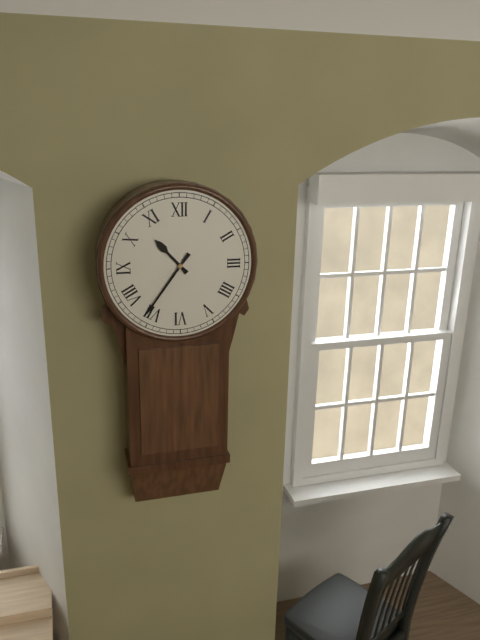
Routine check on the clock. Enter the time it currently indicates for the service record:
10:36
